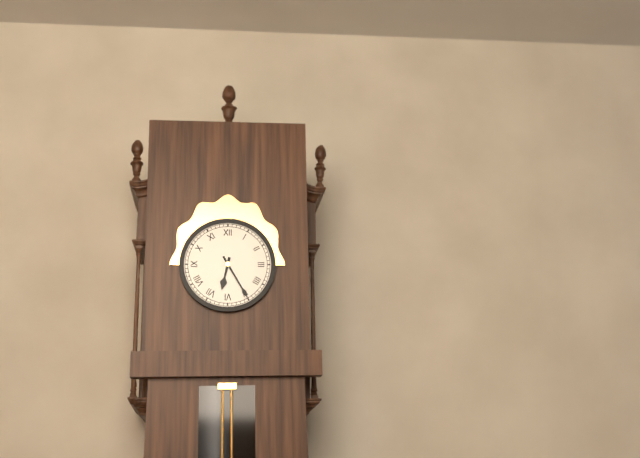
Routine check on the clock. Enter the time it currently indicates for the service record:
6:25
